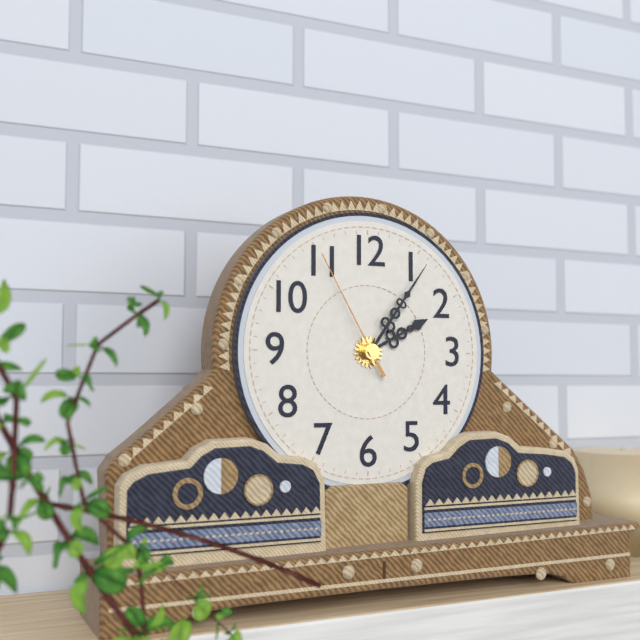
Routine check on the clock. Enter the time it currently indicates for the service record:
2:06:55
